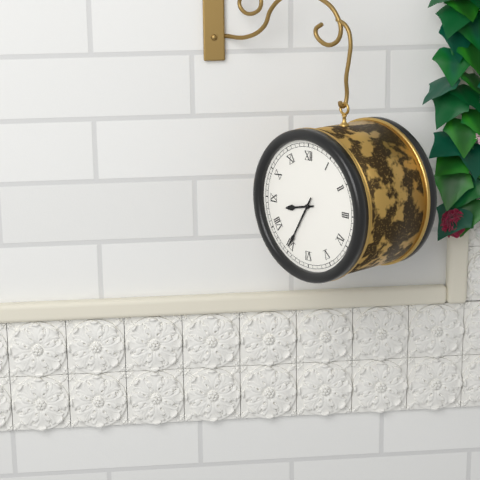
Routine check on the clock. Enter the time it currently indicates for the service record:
8:35
